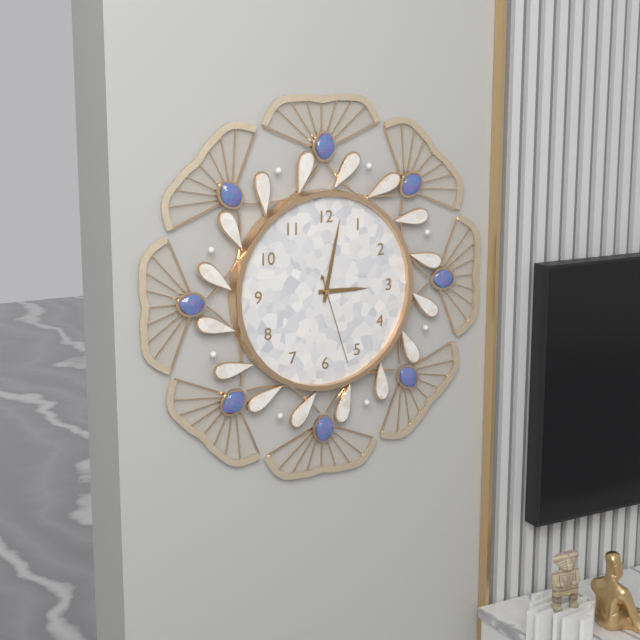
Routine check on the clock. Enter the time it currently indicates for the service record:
3:02:27
